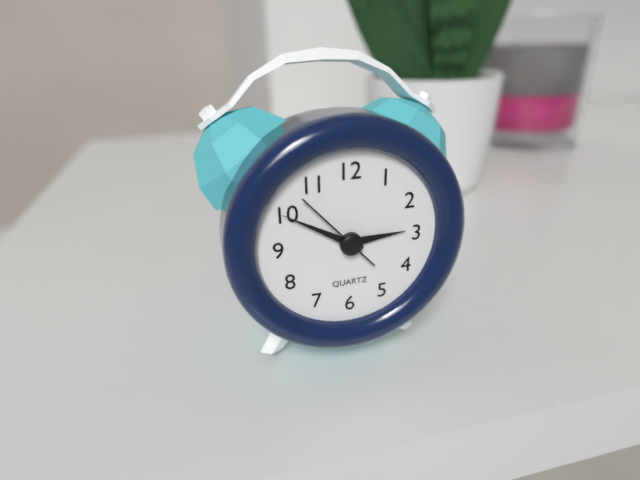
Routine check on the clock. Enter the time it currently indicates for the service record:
2:50:53
